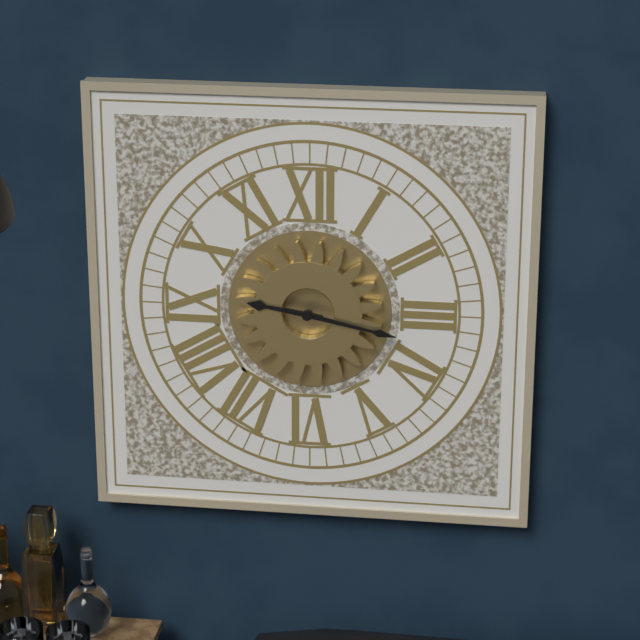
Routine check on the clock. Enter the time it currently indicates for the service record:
9:17
